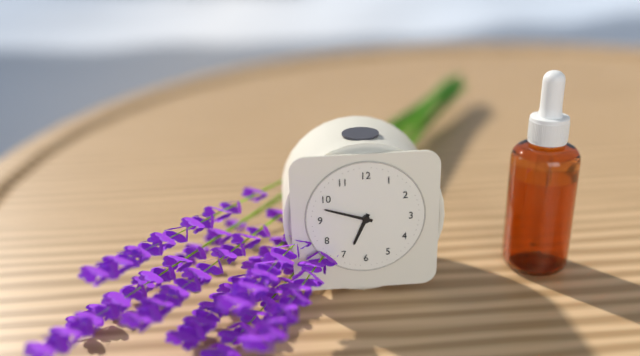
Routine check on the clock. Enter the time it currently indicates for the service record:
6:48
